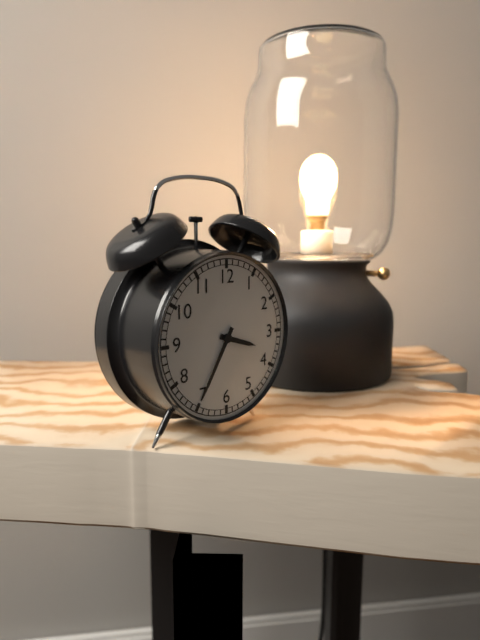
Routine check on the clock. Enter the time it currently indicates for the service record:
3:35
